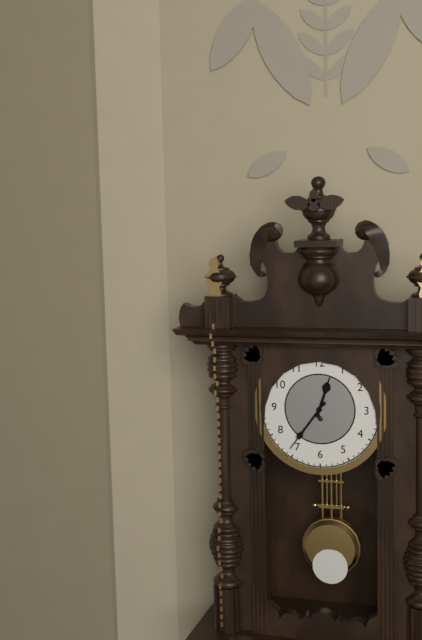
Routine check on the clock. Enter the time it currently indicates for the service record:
12:36
